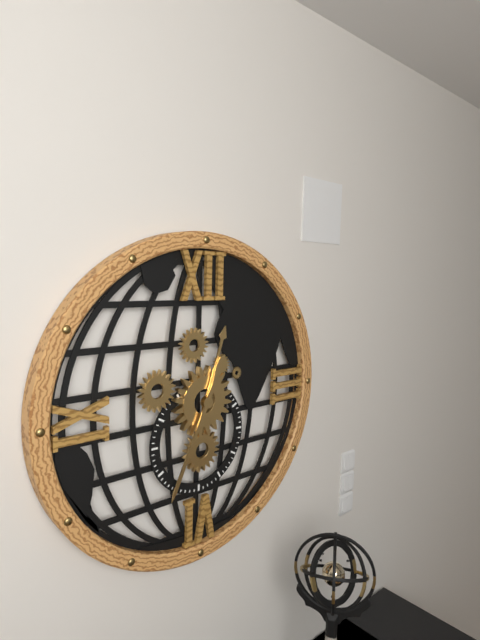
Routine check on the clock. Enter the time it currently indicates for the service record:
12:34
